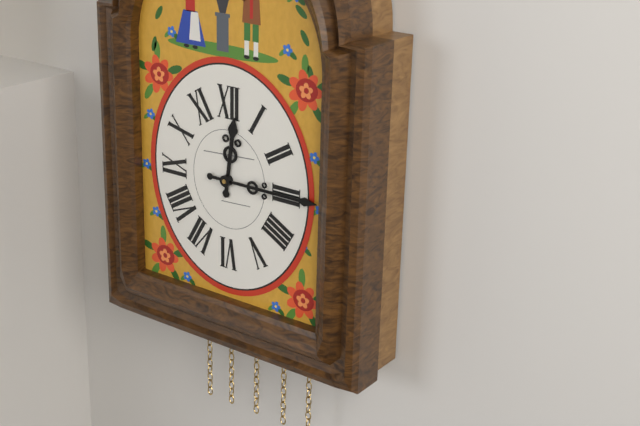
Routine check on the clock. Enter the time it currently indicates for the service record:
12:15
